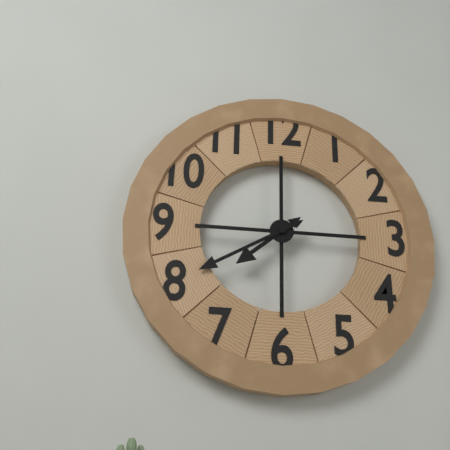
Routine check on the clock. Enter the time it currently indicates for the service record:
7:40
